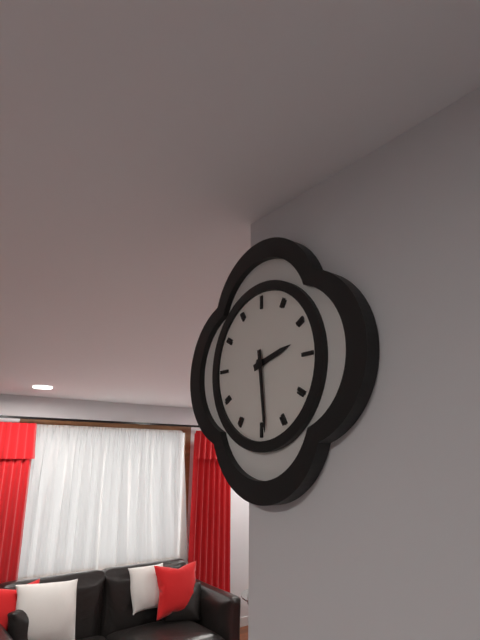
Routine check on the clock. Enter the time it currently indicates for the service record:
2:29
